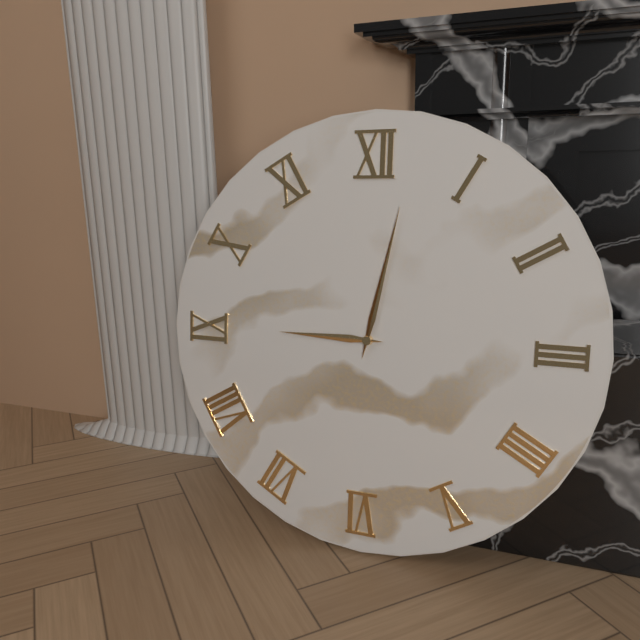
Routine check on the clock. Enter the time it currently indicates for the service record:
9:02
